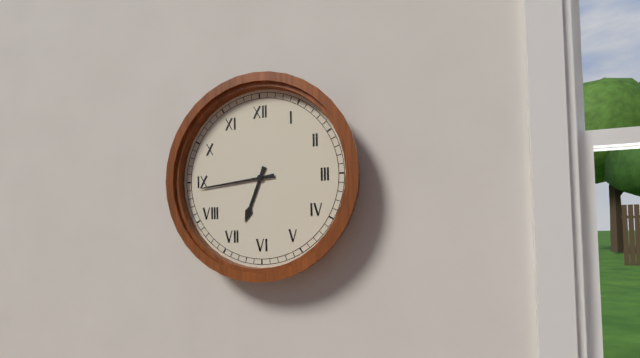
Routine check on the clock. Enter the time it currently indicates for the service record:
6:44
